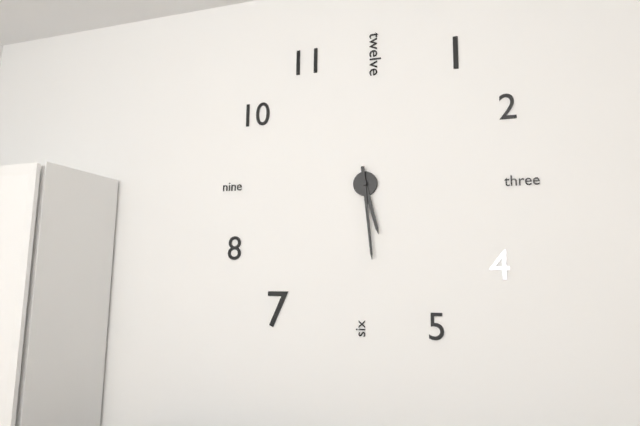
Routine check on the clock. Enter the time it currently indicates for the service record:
5:29
